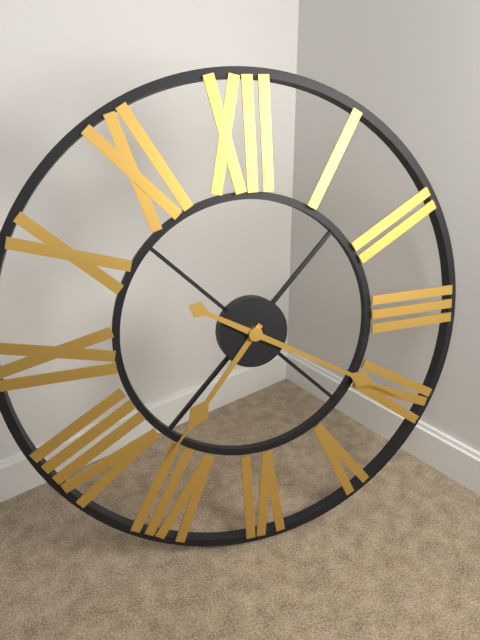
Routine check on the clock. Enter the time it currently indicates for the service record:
7:20
